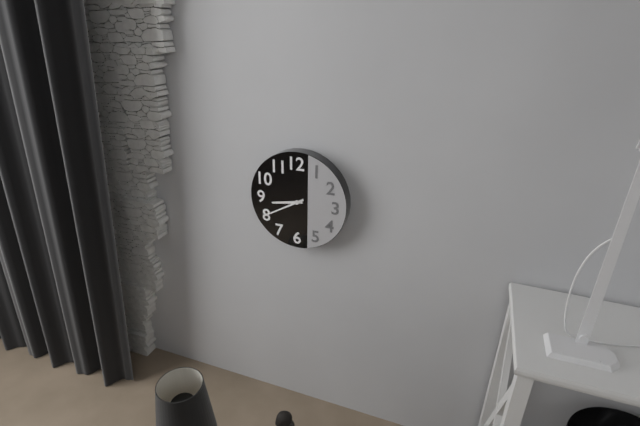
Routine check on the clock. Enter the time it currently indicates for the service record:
8:40
